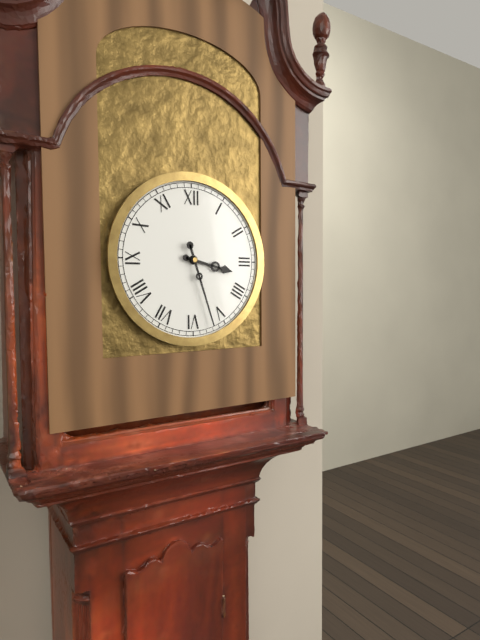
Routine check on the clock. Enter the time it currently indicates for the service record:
3:27
